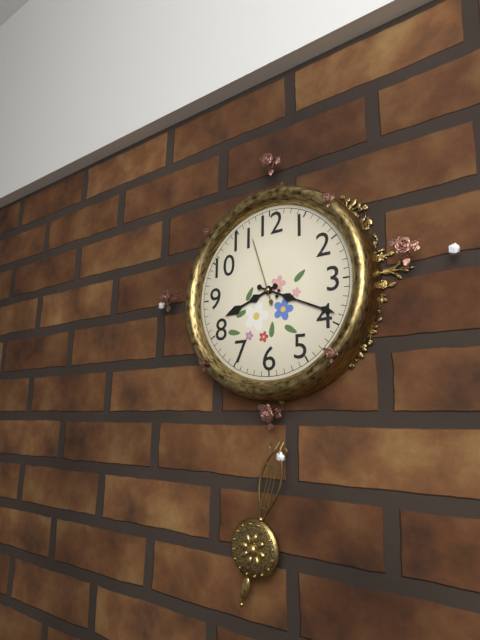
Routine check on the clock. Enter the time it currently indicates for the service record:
8:19:57
